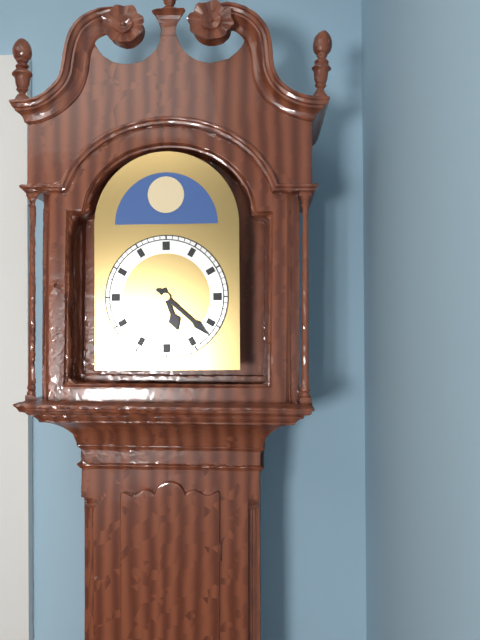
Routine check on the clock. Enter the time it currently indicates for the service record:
5:22
